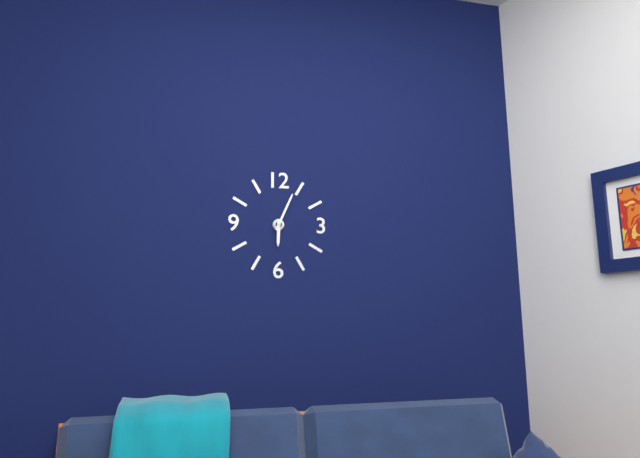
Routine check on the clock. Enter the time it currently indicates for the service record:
6:04
